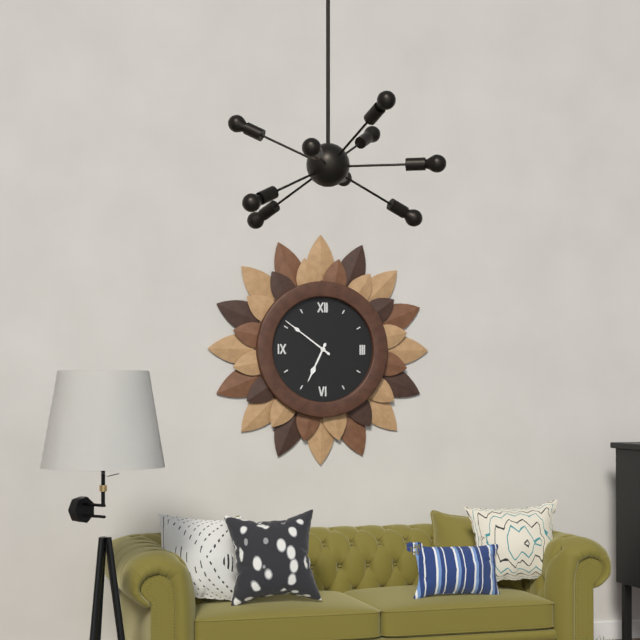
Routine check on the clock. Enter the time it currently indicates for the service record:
6:51
